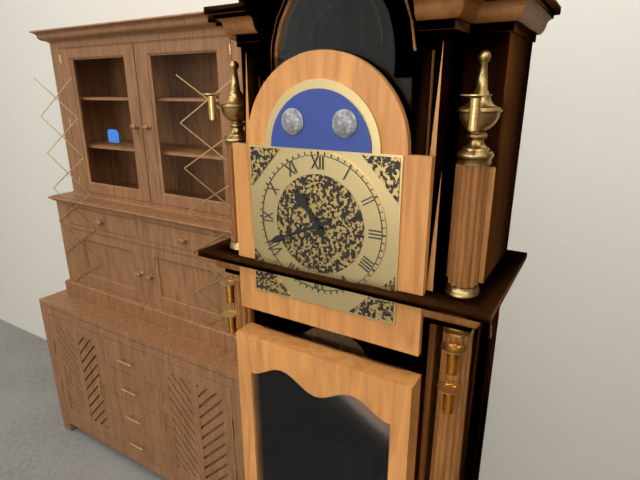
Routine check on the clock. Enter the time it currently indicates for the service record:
10:41
